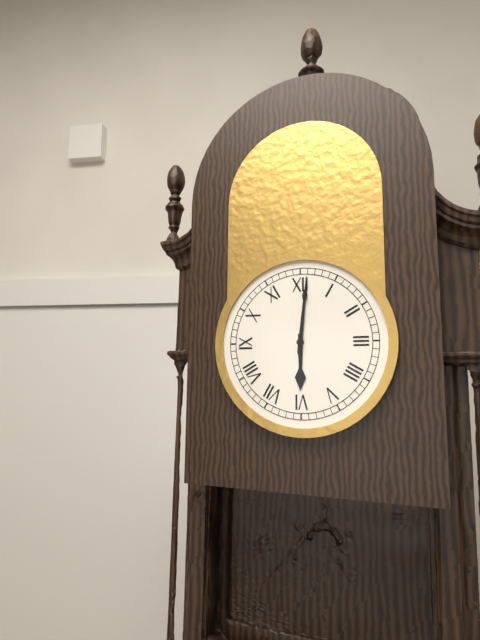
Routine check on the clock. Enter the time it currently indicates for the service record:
6:01
